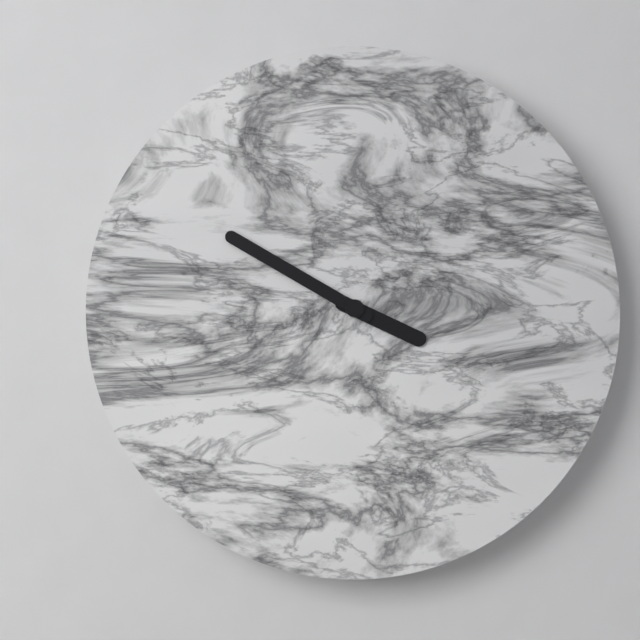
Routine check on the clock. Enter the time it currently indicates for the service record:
3:50
